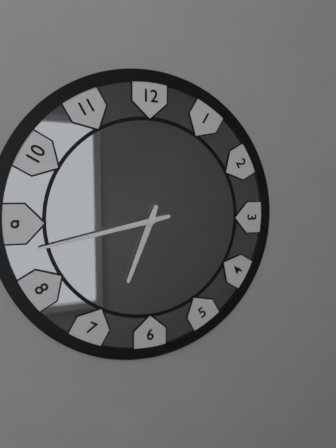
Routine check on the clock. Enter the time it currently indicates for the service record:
6:43
